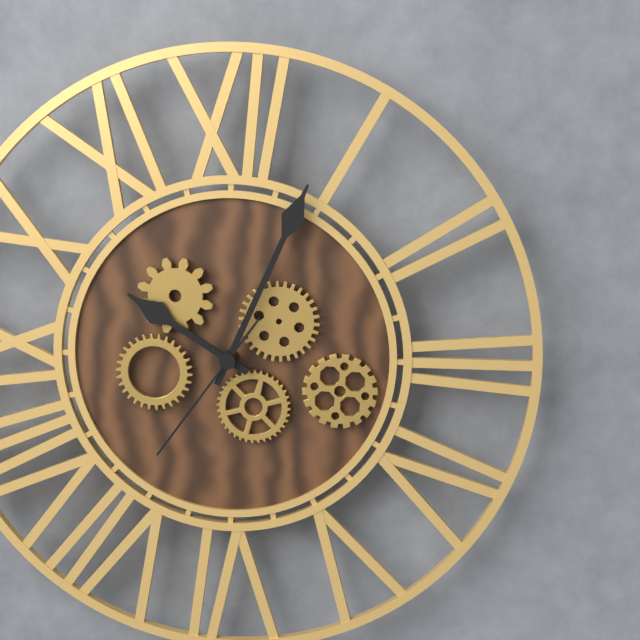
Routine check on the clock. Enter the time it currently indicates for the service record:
10:04:36
